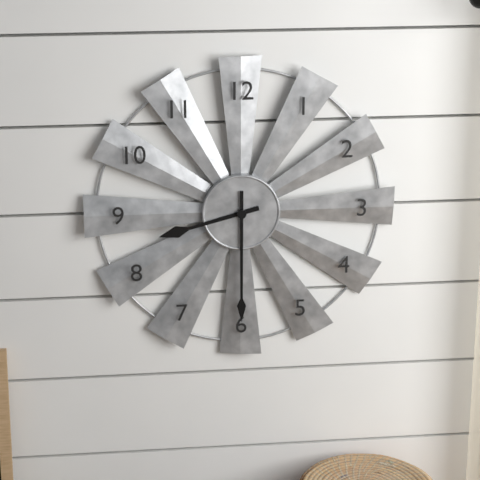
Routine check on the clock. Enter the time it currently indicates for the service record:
8:30
